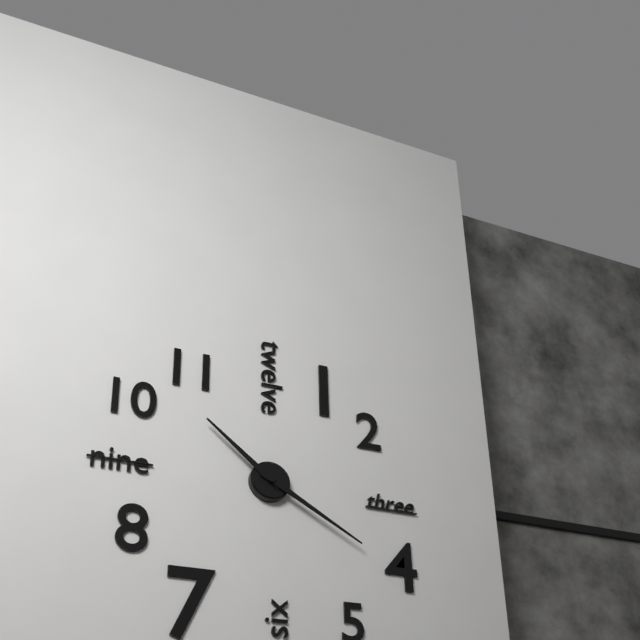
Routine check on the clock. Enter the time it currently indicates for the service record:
10:20
